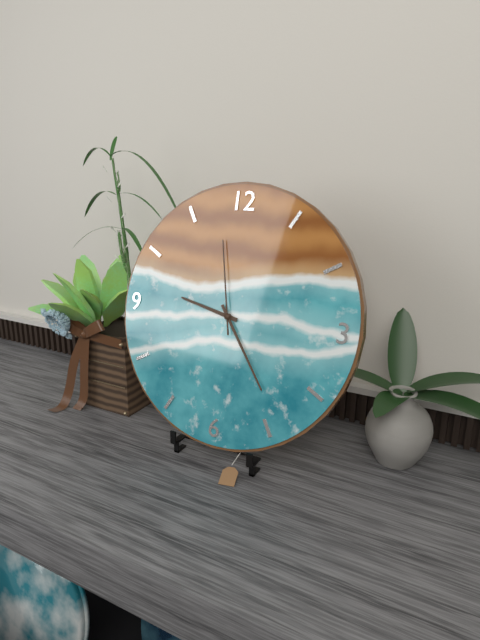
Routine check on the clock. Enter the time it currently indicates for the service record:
9:24:58
